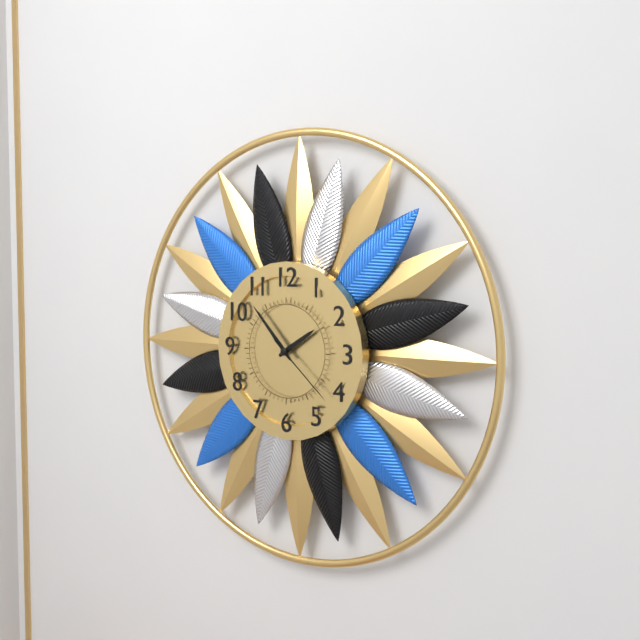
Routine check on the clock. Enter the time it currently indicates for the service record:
1:53:22
